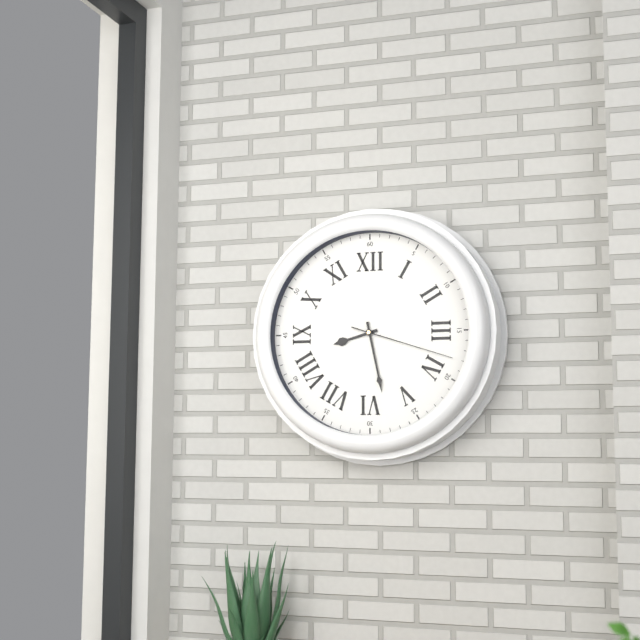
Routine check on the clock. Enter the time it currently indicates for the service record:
8:28:18
